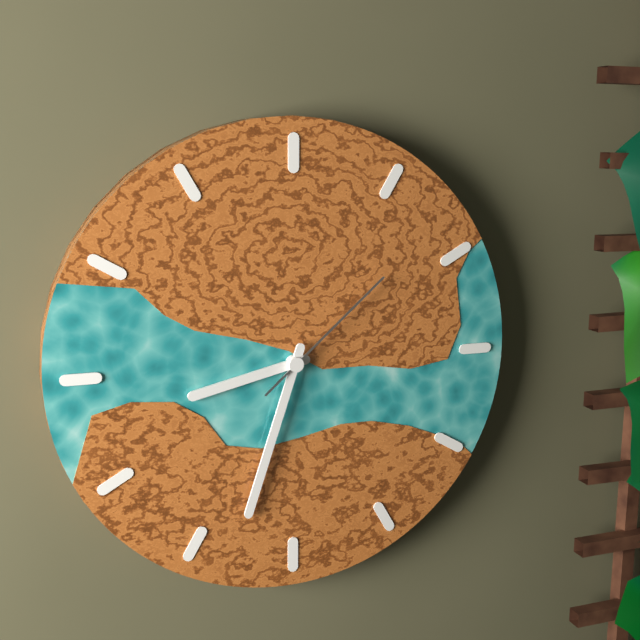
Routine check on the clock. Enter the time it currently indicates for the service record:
8:33:08
